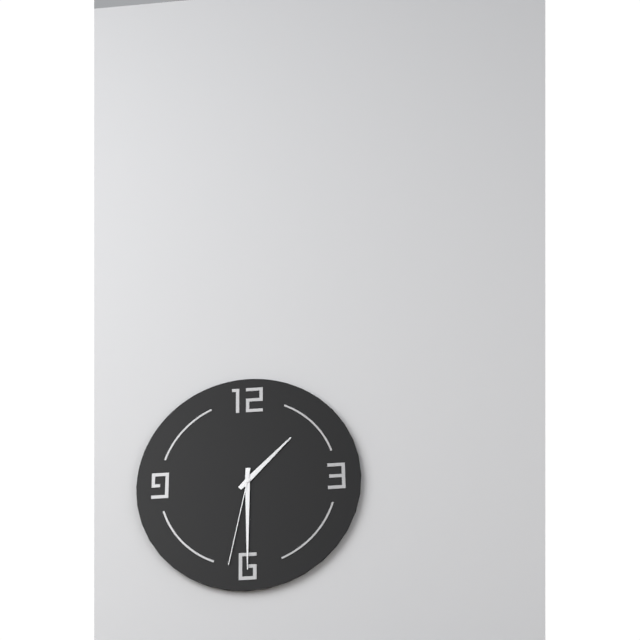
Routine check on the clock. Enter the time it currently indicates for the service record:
1:30:32
